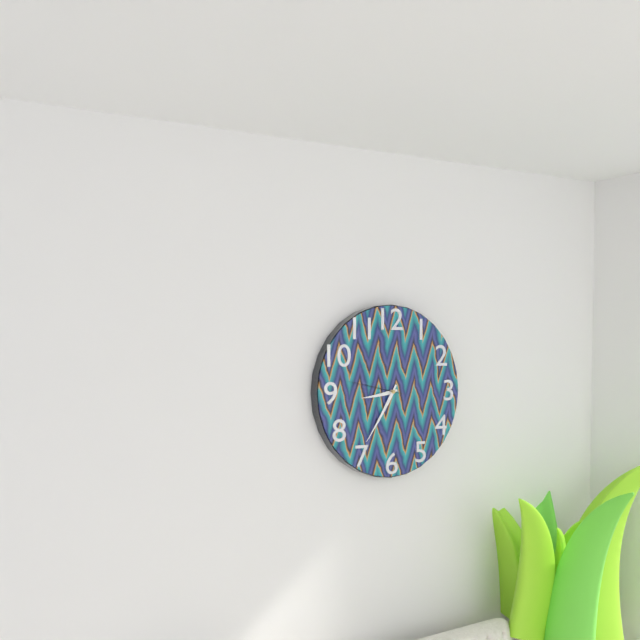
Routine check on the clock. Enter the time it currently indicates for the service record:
8:35:47
